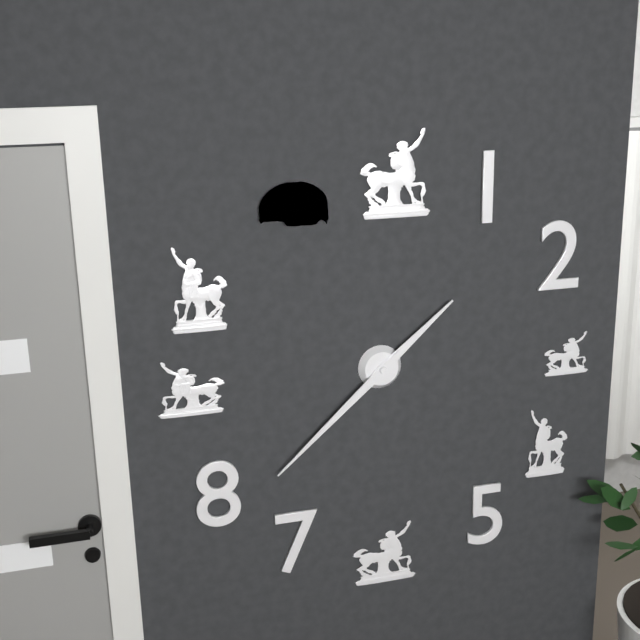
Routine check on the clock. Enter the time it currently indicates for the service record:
1:38
